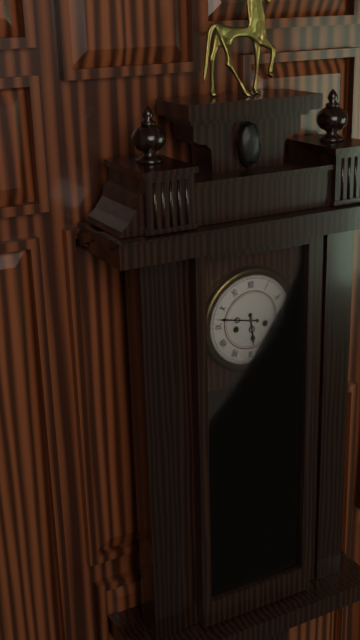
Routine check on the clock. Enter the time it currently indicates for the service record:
5:47
